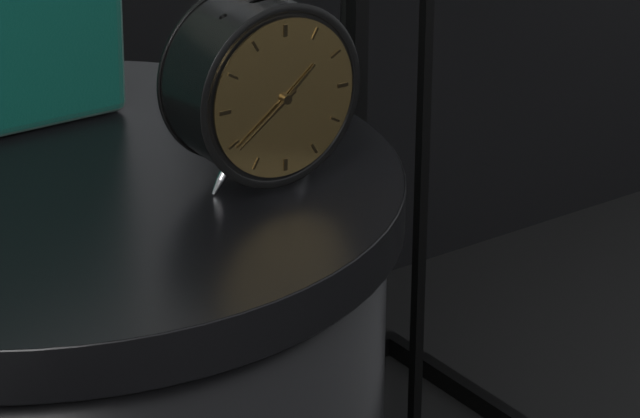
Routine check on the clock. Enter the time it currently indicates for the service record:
1:39
